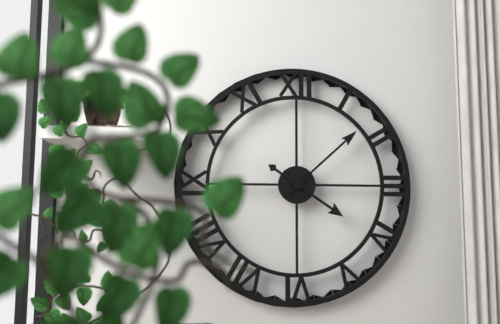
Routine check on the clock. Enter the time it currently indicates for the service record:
4:08
